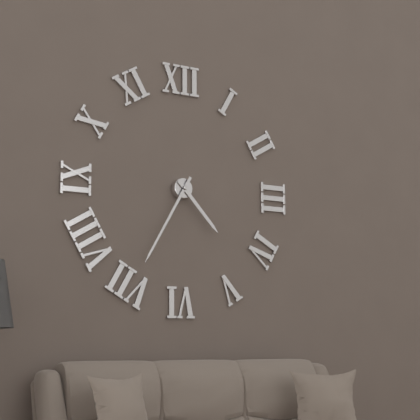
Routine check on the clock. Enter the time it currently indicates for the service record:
4:35
